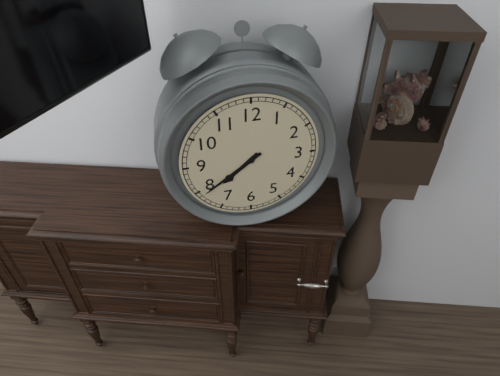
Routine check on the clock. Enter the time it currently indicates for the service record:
7:39
